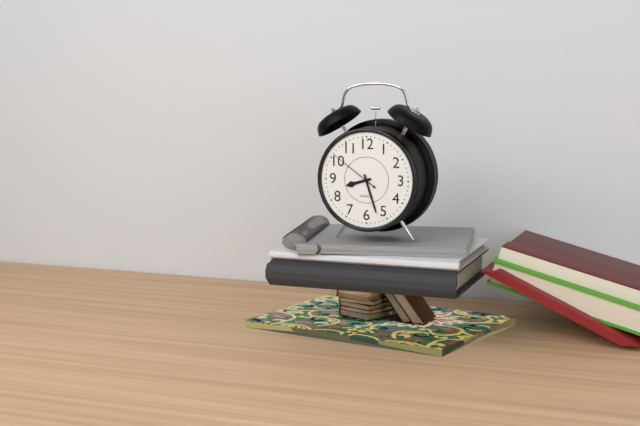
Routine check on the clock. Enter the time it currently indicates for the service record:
8:27:51
